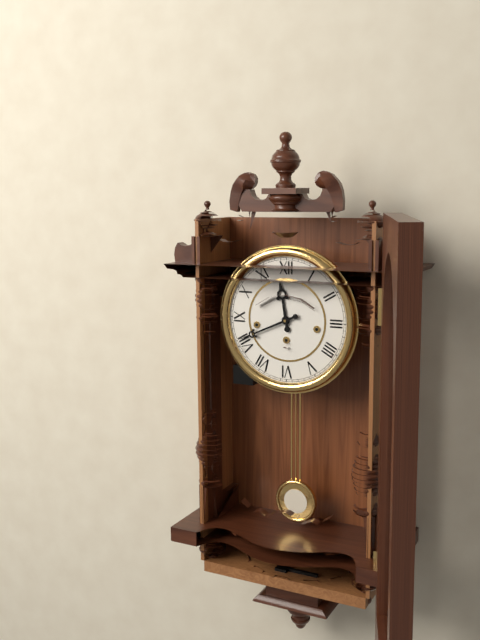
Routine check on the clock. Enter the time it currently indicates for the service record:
11:41
